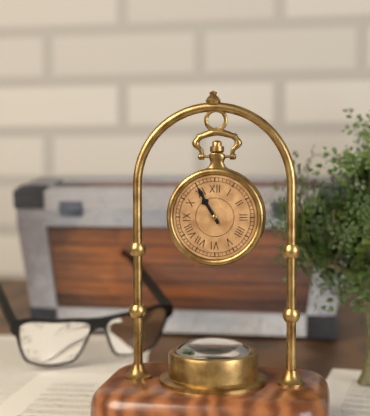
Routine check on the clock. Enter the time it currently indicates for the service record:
10:55
